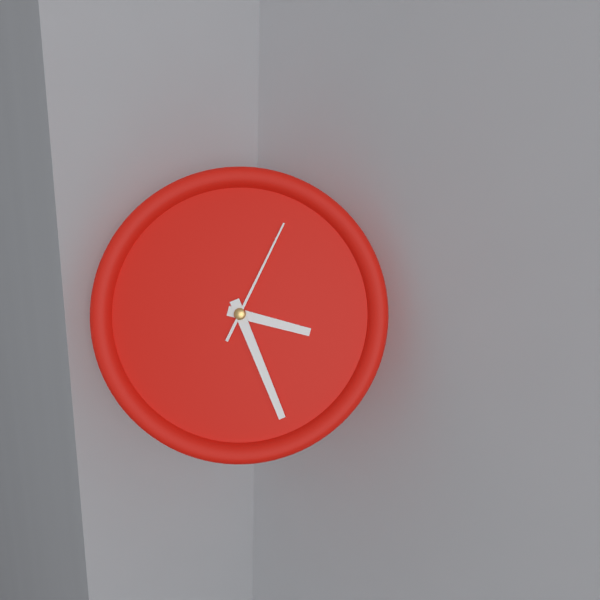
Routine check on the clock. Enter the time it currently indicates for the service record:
3:26:04
